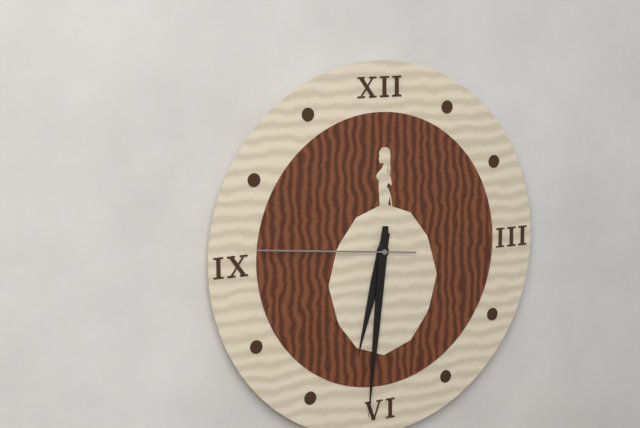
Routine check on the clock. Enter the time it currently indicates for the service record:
6:31:46
